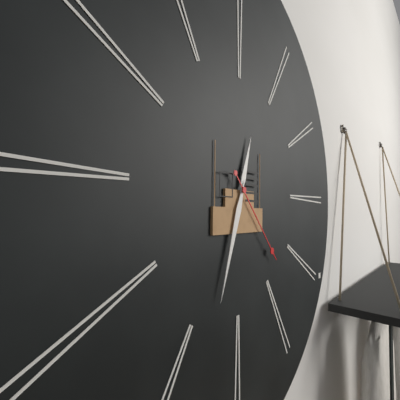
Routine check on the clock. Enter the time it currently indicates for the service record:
12:33:23
